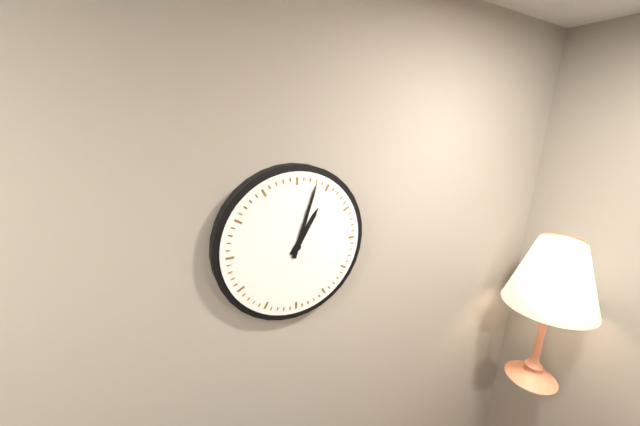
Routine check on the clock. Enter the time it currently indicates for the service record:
1:03
